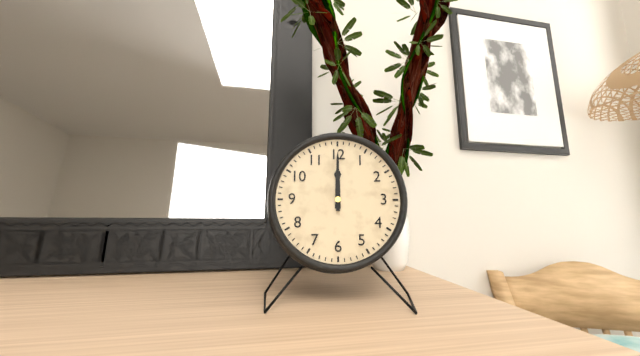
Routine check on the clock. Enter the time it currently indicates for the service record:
12:00
